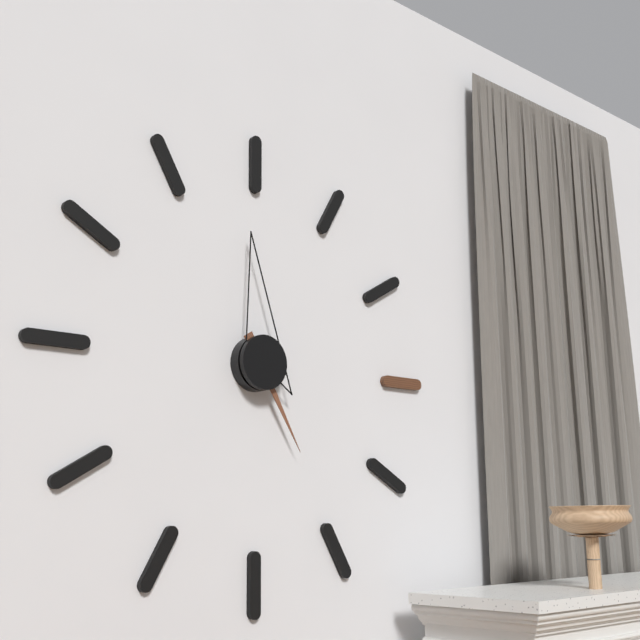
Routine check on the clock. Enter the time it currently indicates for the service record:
4:59
